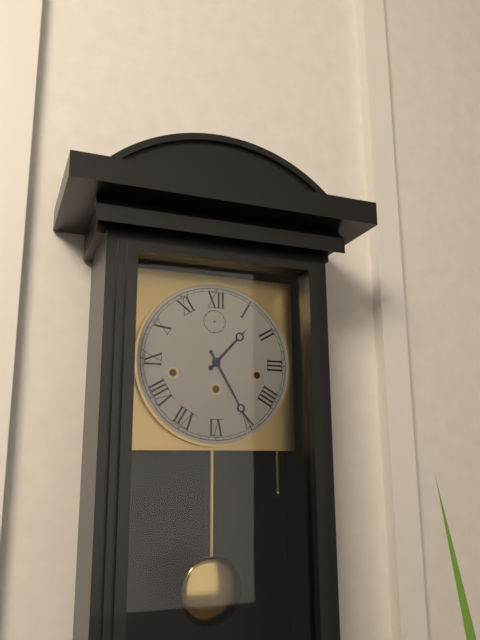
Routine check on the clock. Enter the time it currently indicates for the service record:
1:25
